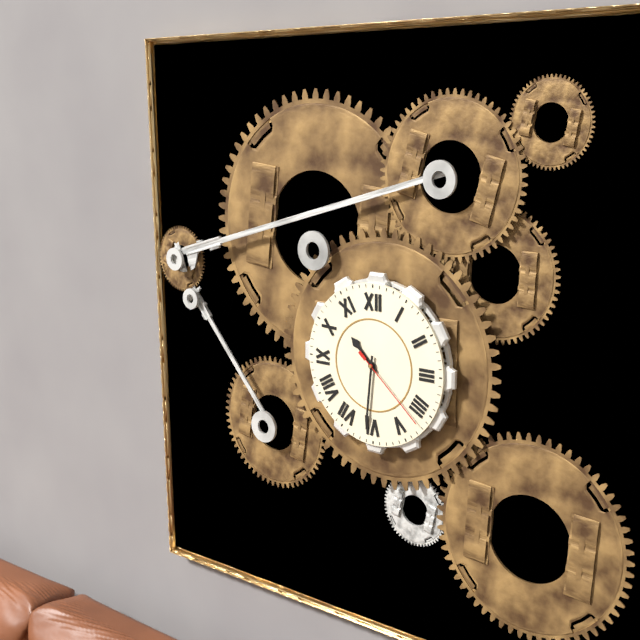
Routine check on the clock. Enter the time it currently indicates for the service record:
10:31:22
